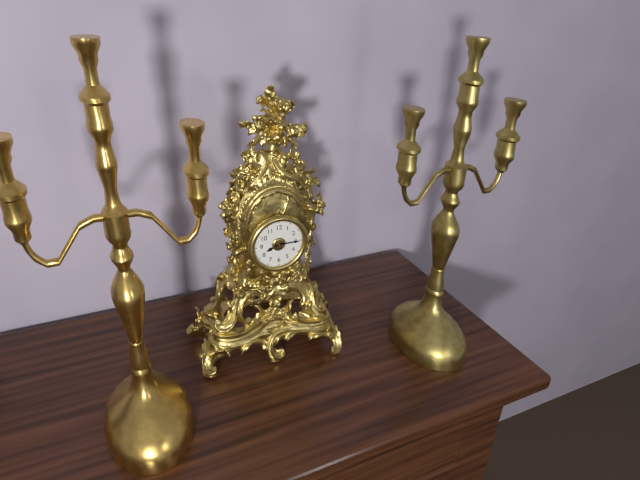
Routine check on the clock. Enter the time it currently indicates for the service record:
8:15
